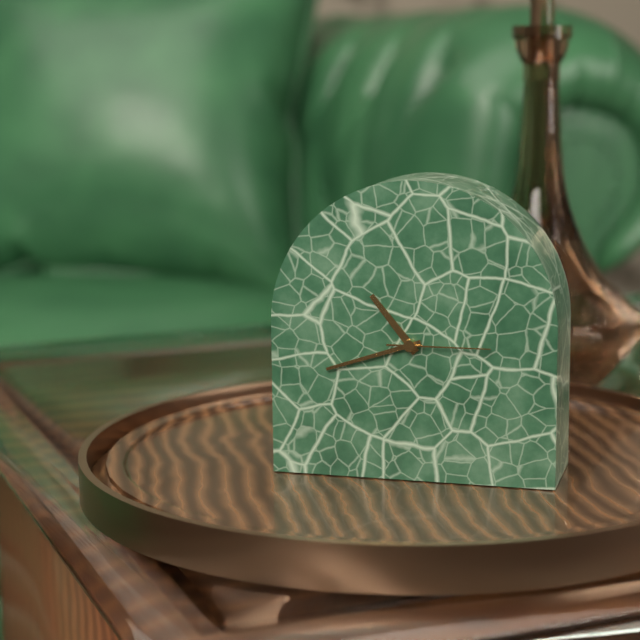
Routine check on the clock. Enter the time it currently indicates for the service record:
10:42:15
